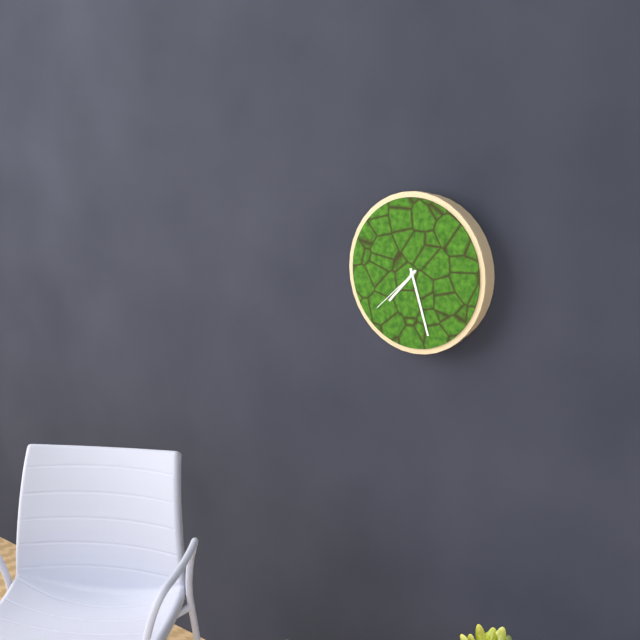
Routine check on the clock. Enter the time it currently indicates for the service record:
7:27:38
